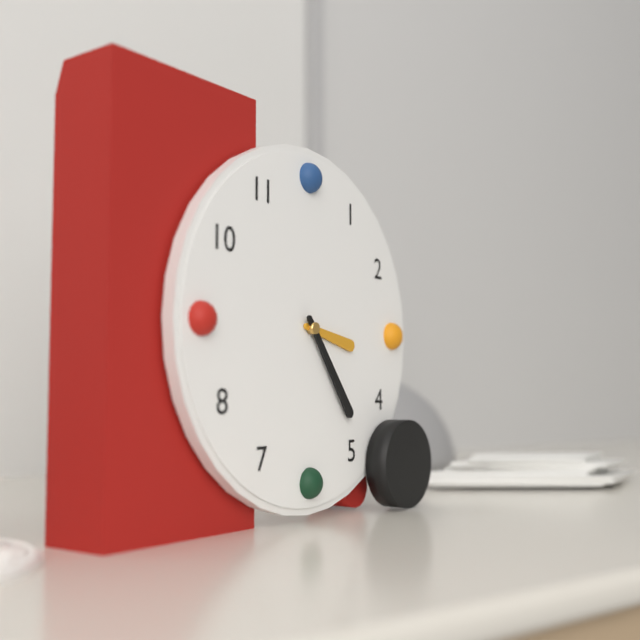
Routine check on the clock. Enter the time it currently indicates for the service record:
3:24
